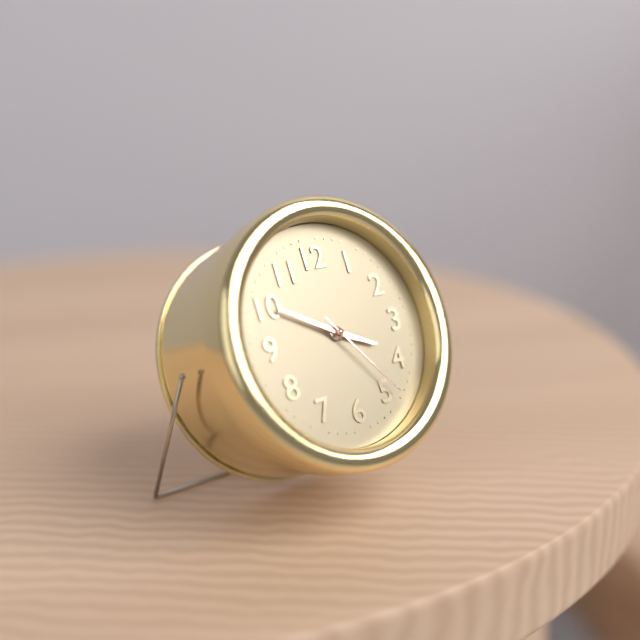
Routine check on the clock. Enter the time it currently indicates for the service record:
3:50:24
